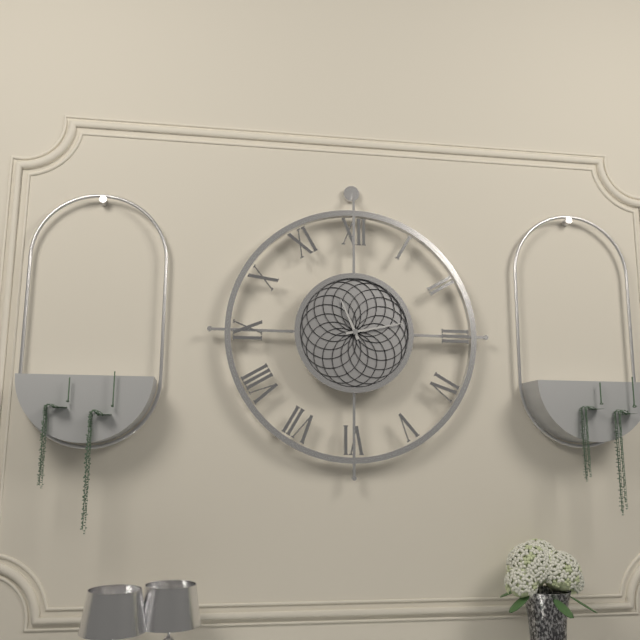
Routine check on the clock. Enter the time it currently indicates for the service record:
11:13
